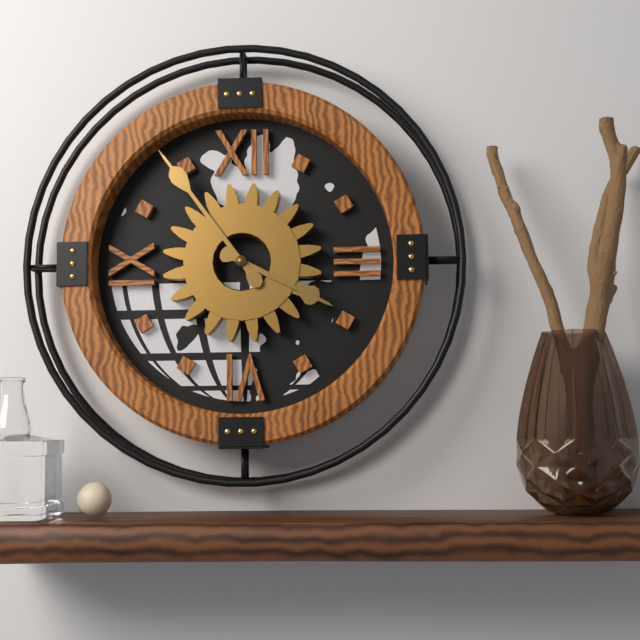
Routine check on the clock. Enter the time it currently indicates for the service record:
3:54
